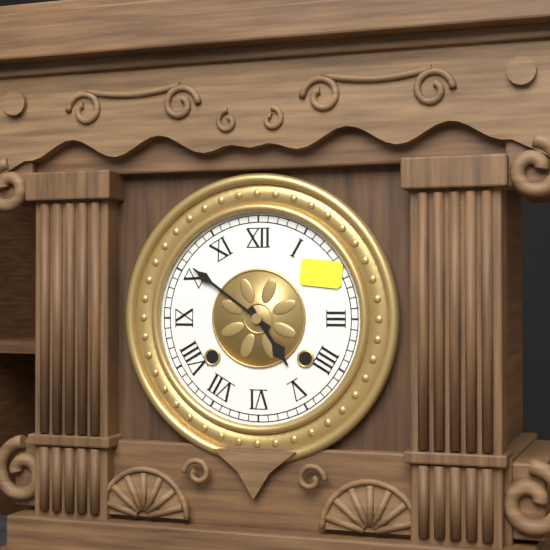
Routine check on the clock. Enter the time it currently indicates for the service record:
4:51
